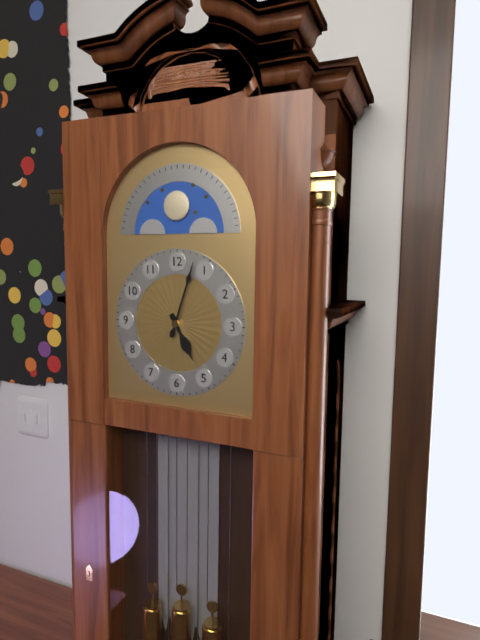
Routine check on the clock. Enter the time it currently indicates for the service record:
5:03
